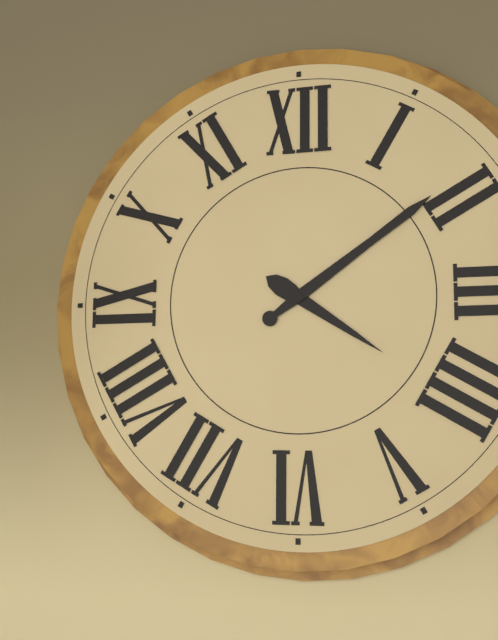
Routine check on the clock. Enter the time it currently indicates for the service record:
4:09
